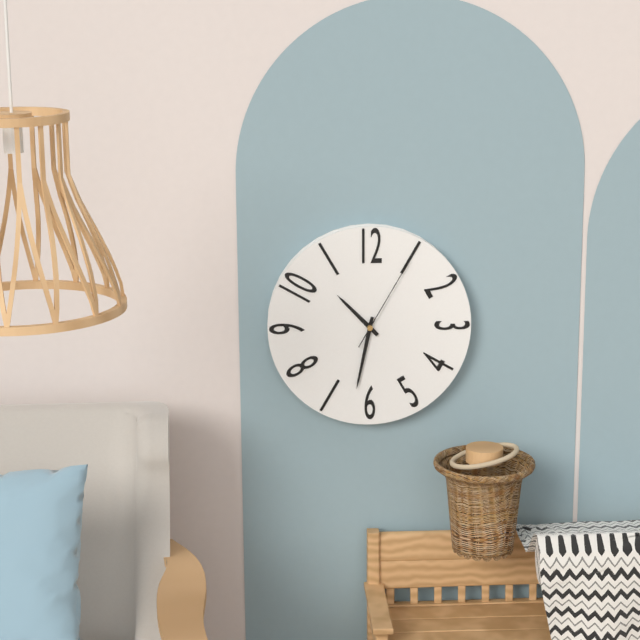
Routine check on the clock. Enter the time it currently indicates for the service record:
10:32:05
